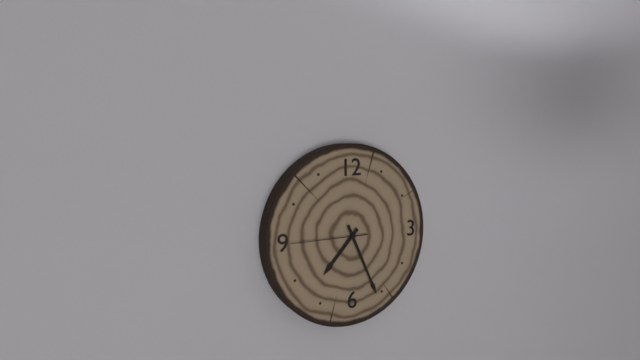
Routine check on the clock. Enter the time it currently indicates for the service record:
7:26:45
